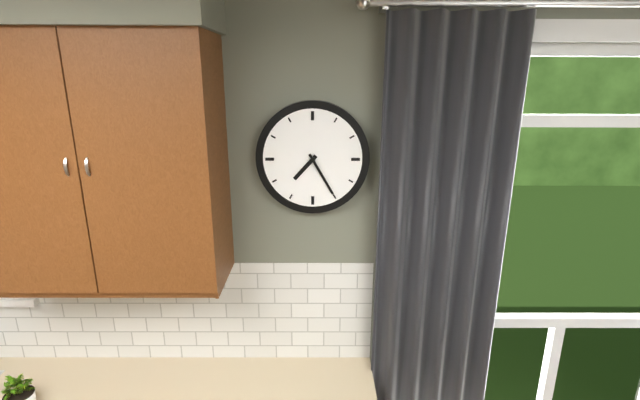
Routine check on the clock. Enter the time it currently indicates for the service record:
7:25
